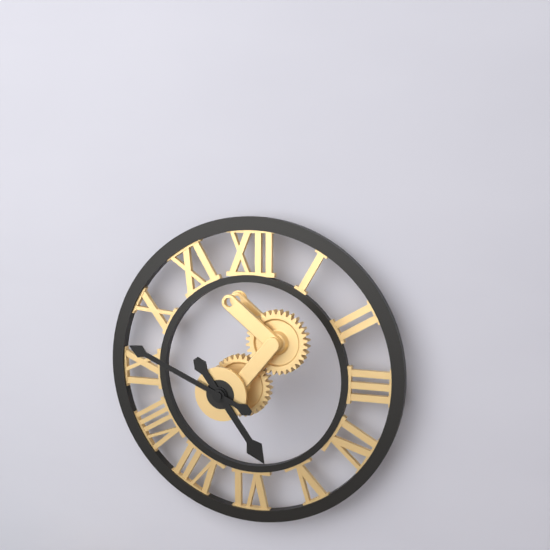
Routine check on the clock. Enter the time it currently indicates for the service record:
4:49
